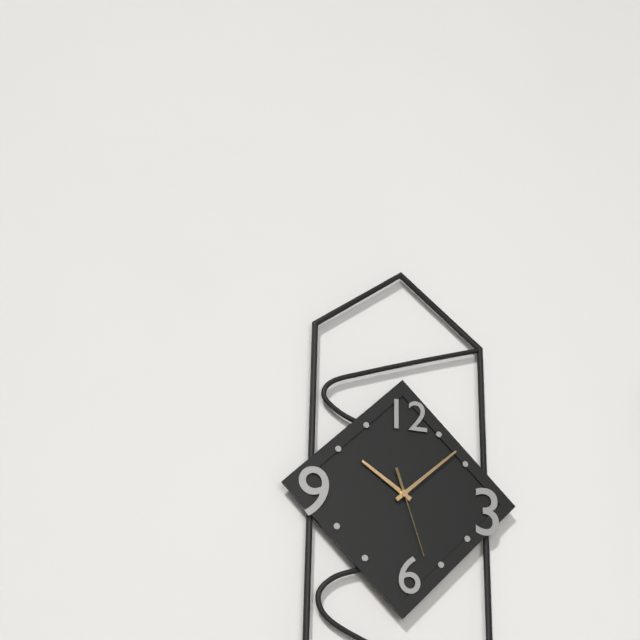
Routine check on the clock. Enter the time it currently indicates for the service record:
10:08:27
